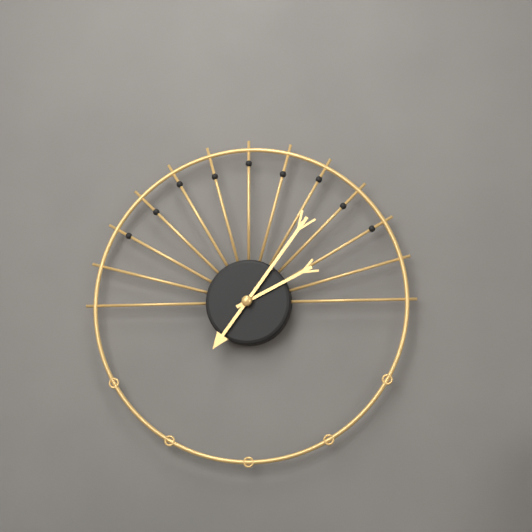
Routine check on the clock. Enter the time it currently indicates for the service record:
2:06
